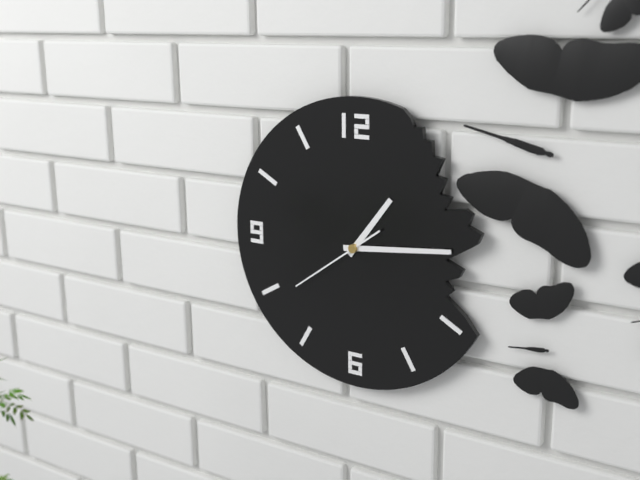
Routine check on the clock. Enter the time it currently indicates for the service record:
1:14:39
